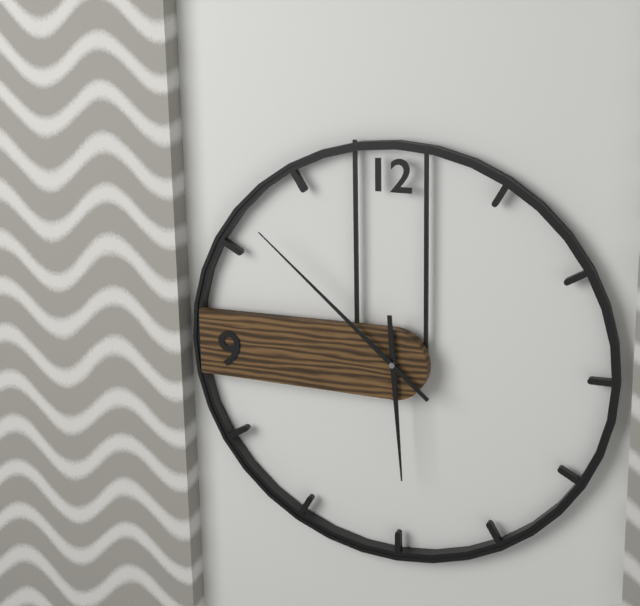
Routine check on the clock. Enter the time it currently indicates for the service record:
5:52
